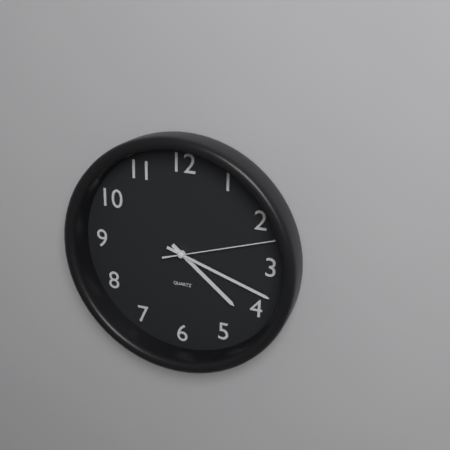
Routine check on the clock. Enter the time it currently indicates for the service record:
4:18:12
